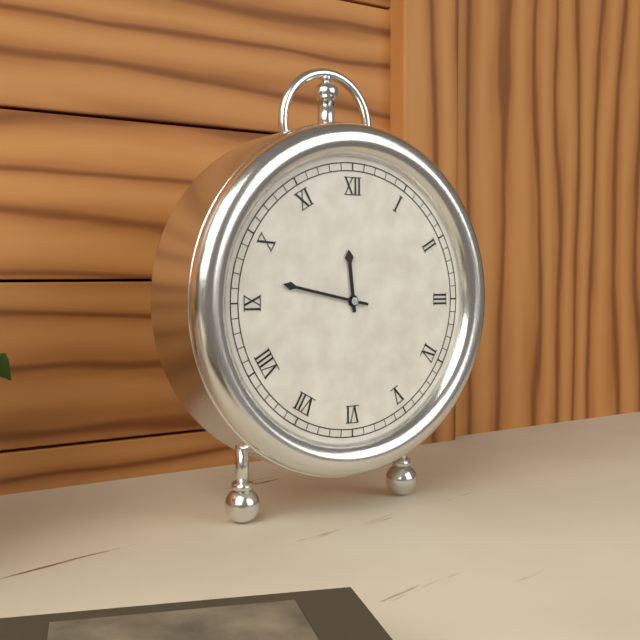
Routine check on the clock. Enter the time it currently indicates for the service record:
11:47
